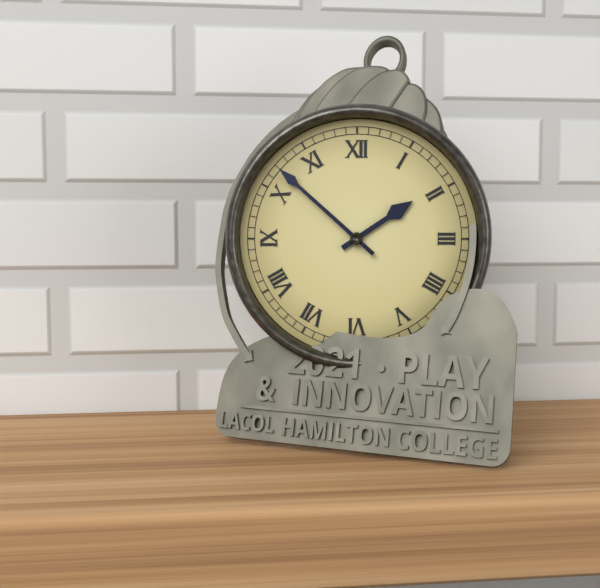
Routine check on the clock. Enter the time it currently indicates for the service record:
1:52
